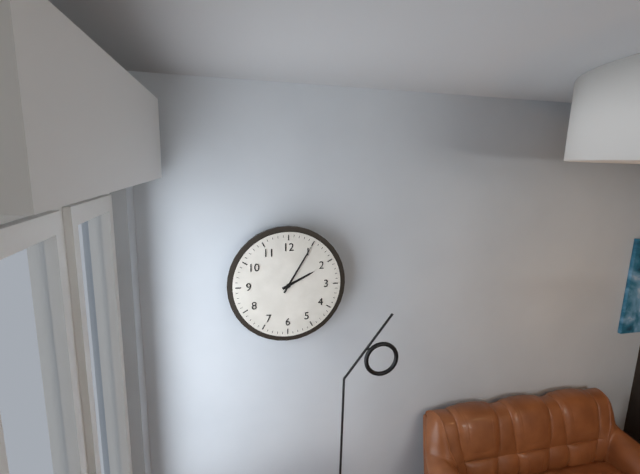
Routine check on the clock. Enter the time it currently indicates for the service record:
2:05
